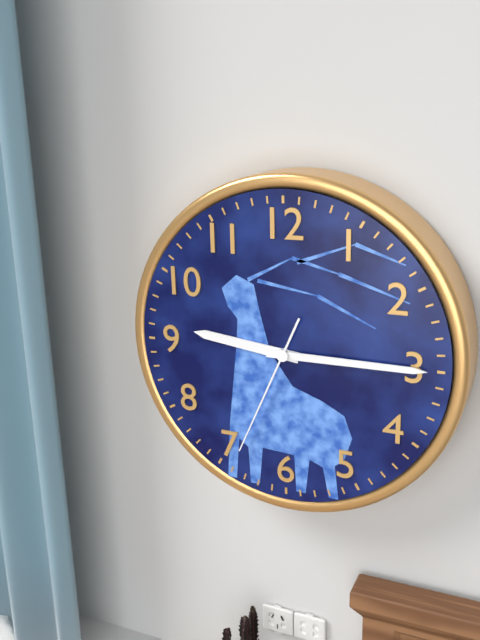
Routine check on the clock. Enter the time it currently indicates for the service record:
9:15:34
